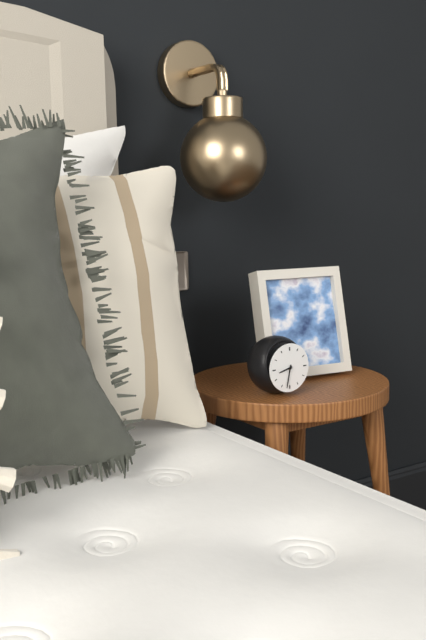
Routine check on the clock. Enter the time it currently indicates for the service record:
8:32
